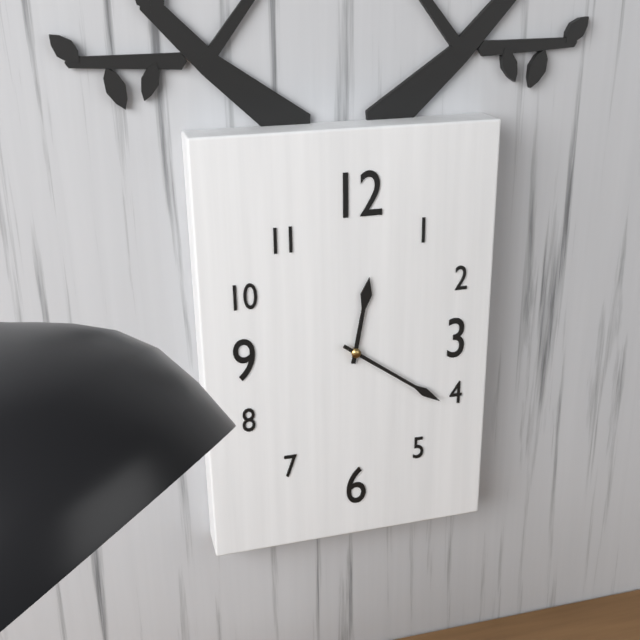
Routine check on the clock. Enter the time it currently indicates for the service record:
12:21
